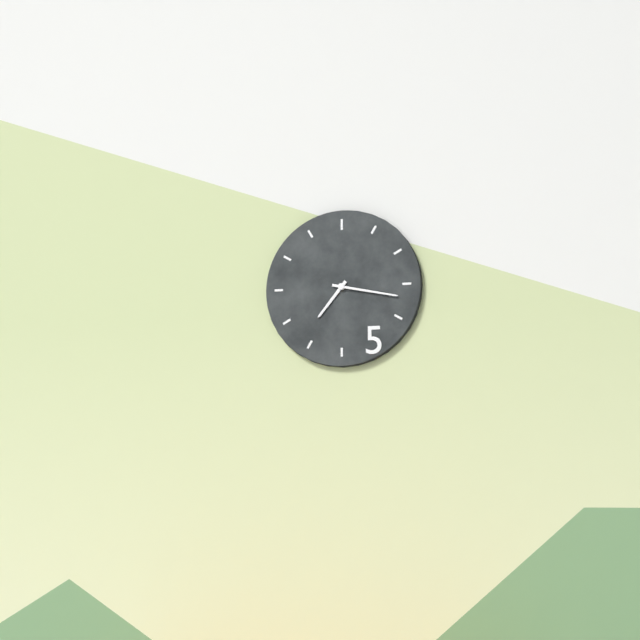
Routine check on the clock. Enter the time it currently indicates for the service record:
7:17
